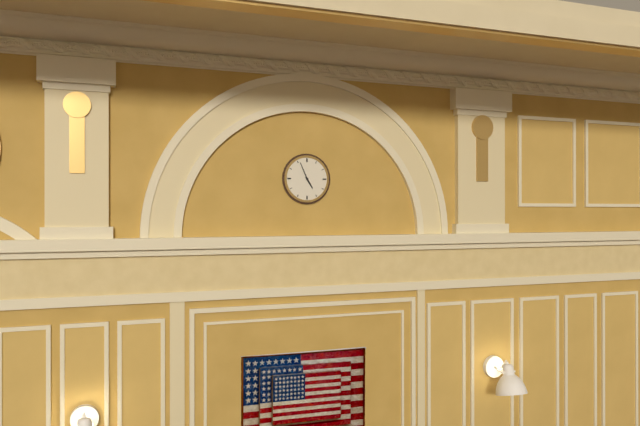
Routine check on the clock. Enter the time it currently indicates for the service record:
4:56
